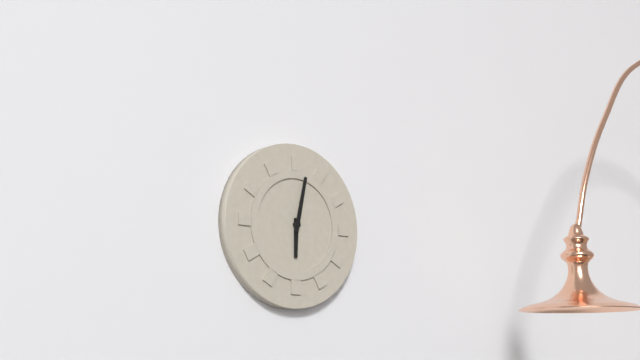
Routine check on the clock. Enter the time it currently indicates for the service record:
6:02
